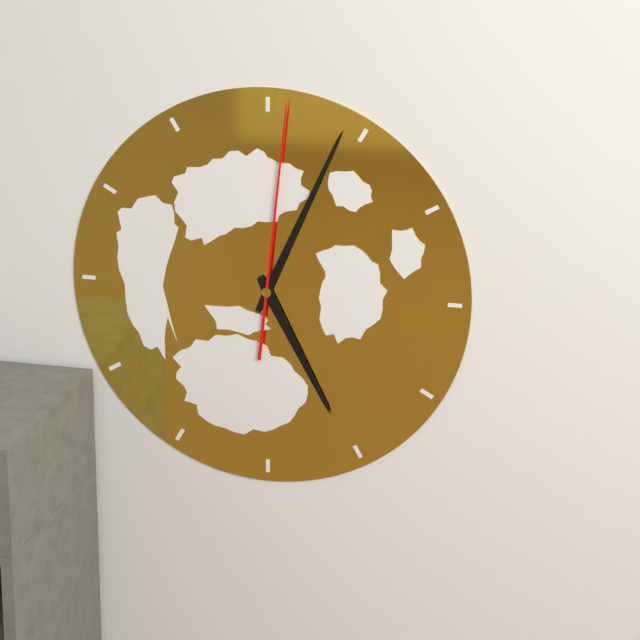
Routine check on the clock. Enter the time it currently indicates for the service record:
5:04:01
